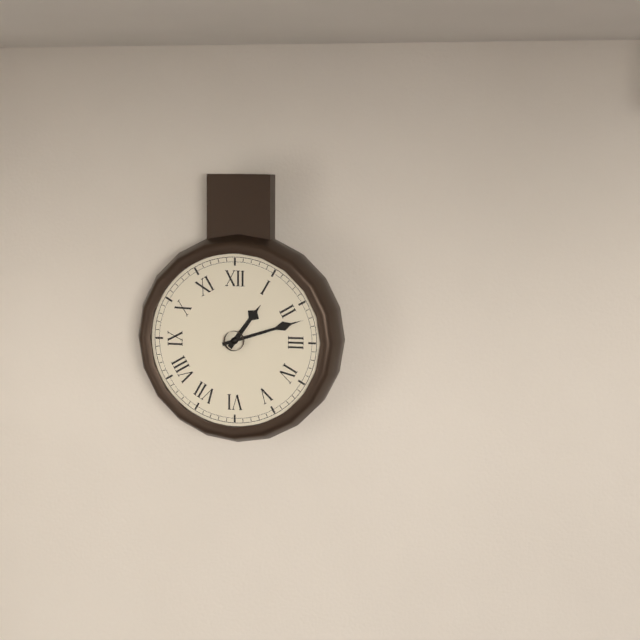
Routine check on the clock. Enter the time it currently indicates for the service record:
1:12
